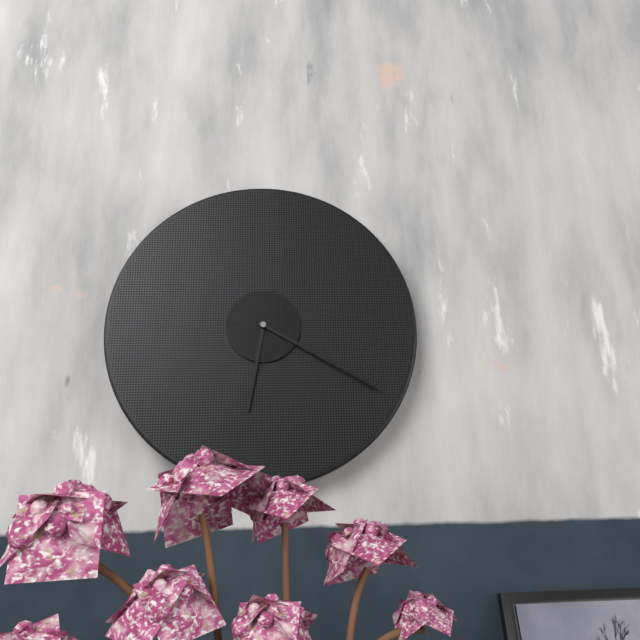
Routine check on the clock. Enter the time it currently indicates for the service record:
6:20
